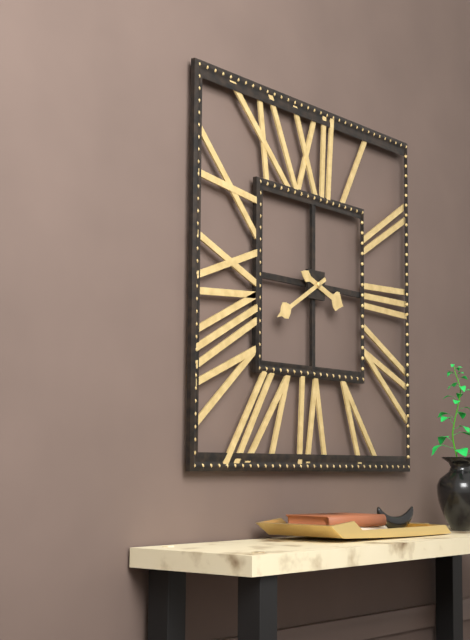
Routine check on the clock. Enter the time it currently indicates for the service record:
3:40
